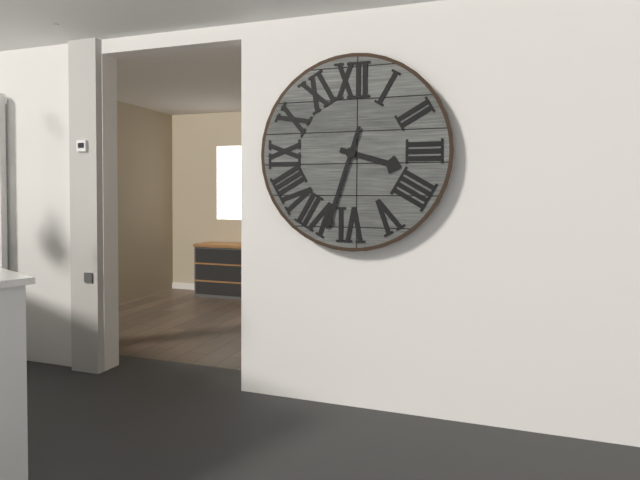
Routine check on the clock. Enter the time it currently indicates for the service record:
3:33
